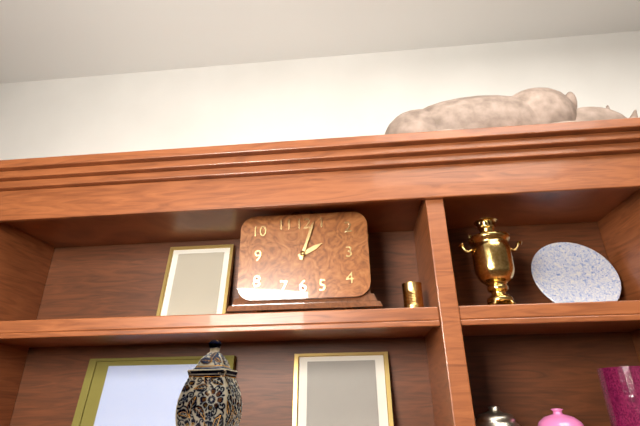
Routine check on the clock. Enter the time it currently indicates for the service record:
2:03
